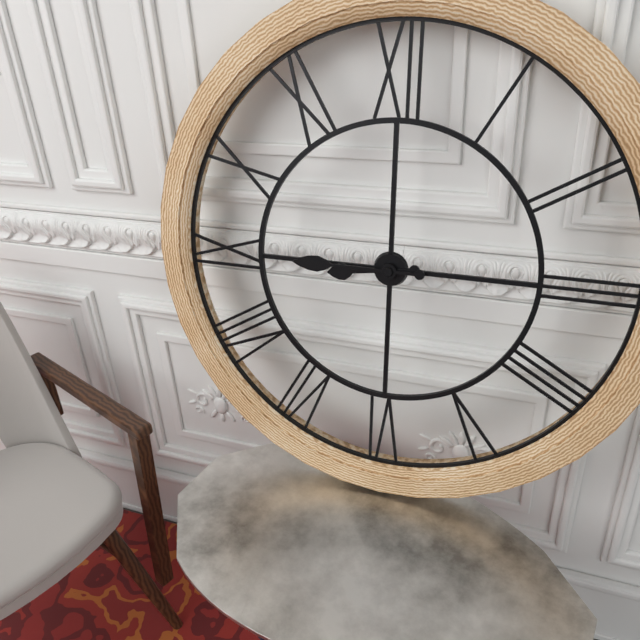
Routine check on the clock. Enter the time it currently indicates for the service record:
8:45
